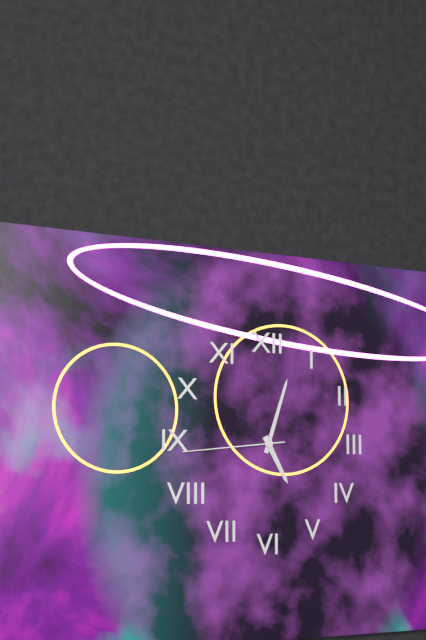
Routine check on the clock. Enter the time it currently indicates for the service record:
5:03:44
